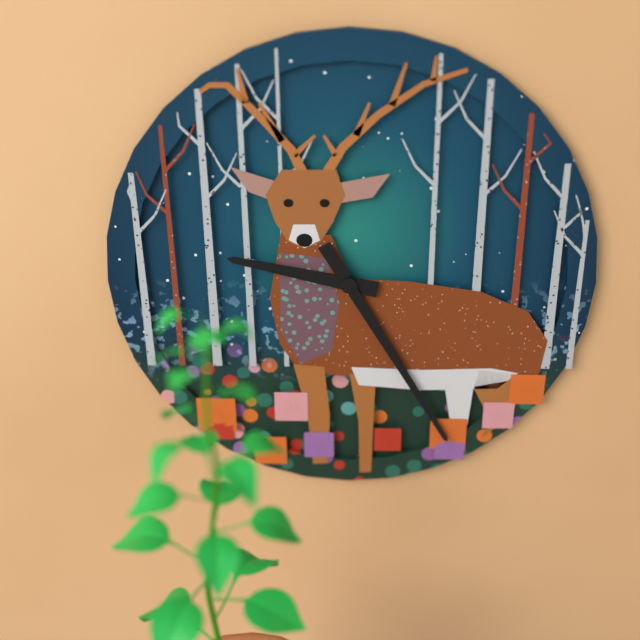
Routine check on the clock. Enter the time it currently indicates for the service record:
9:25
